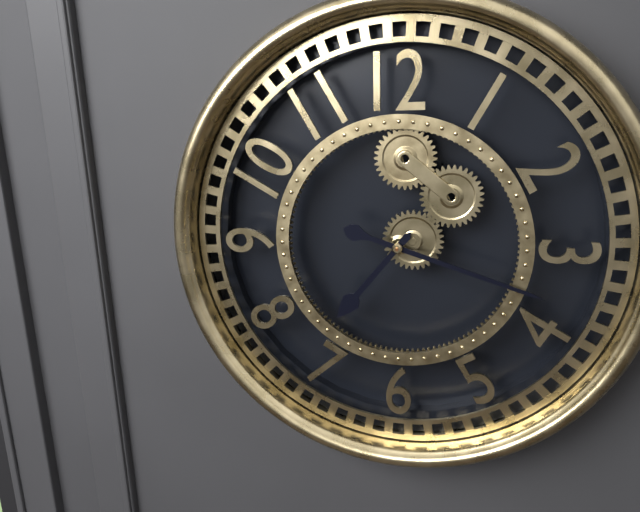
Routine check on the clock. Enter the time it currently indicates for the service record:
7:18
